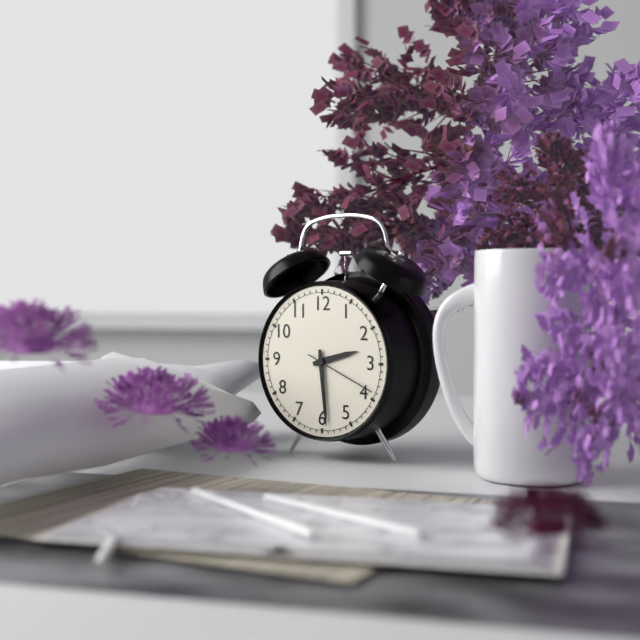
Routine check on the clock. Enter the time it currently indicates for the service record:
2:29:19
